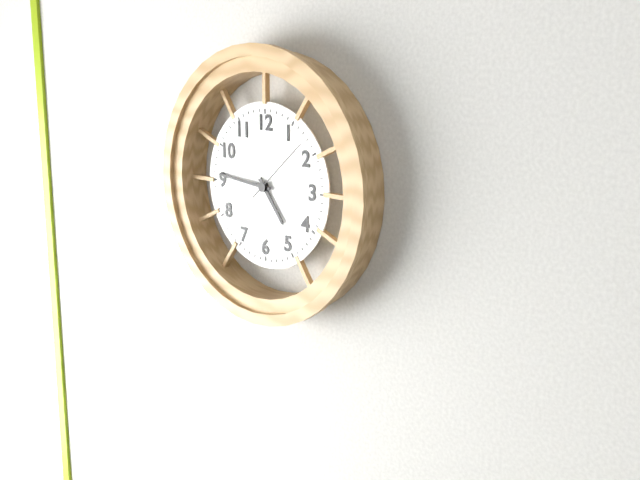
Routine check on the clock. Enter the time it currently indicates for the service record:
4:46:08
